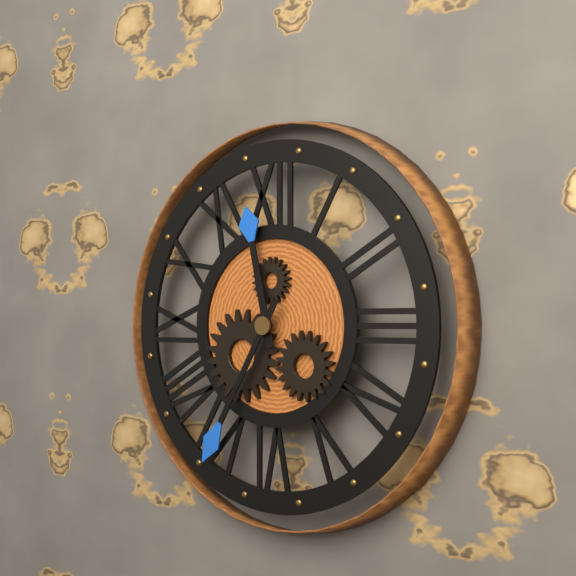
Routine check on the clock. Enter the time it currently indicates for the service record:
11:35
